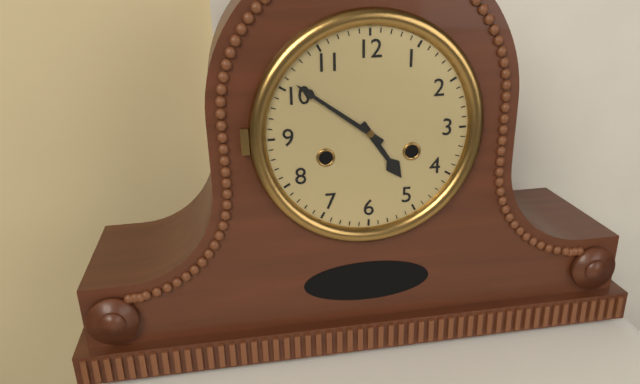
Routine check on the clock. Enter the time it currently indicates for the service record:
4:51
